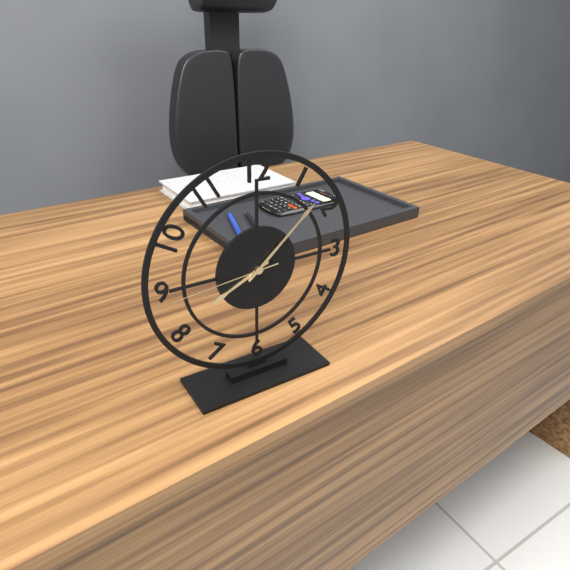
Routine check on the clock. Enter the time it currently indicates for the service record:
8:08:44
